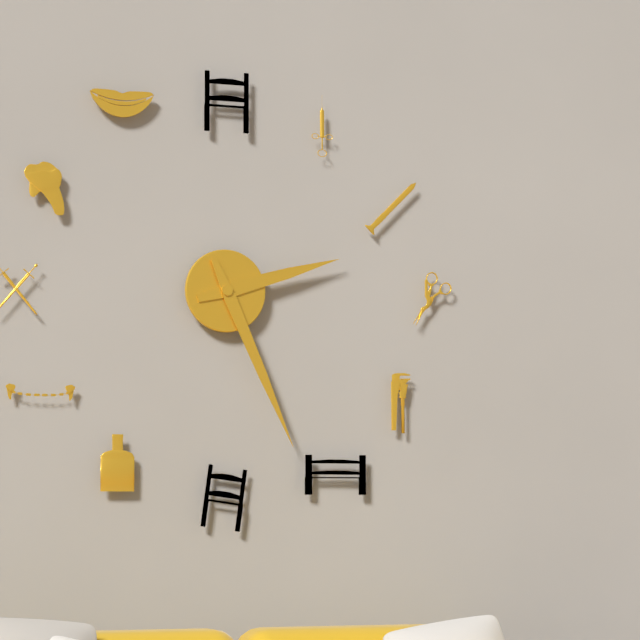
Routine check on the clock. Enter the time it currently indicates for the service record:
2:26
